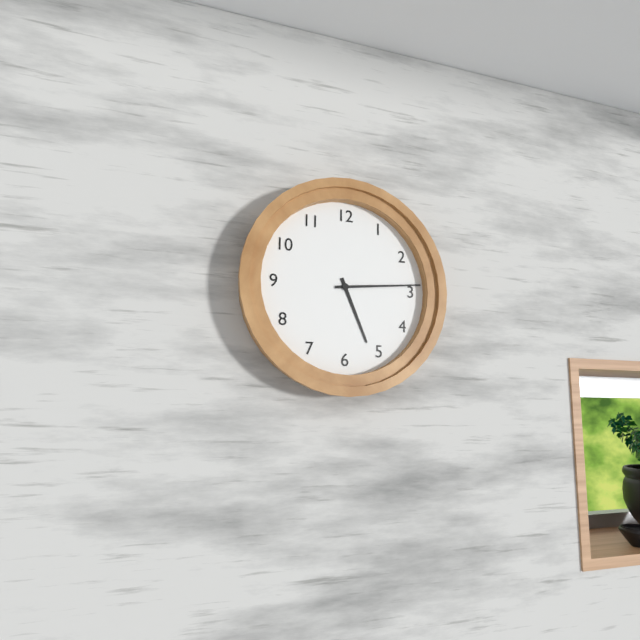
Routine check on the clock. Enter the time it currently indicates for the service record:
5:14
